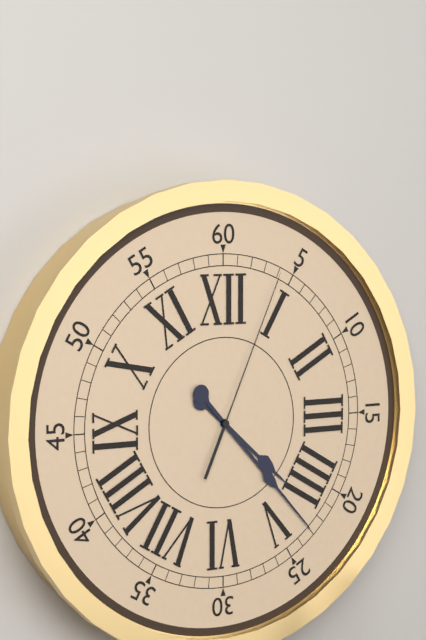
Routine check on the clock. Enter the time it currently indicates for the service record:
4:23:04
